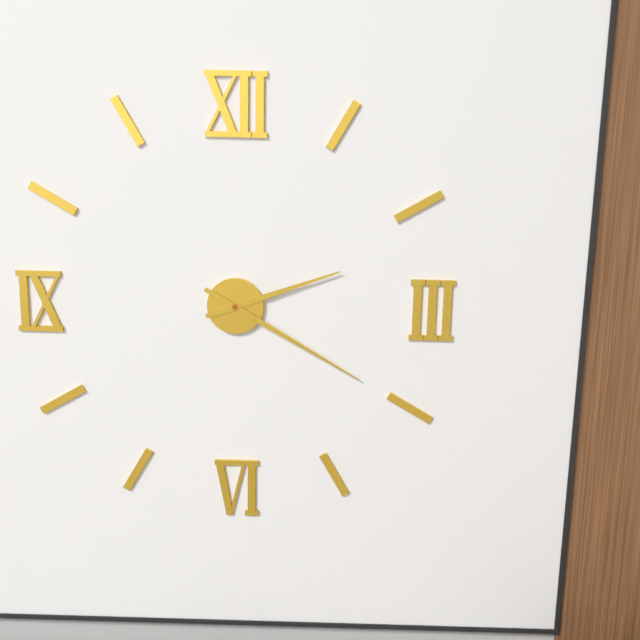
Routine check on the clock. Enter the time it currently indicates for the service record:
2:20
